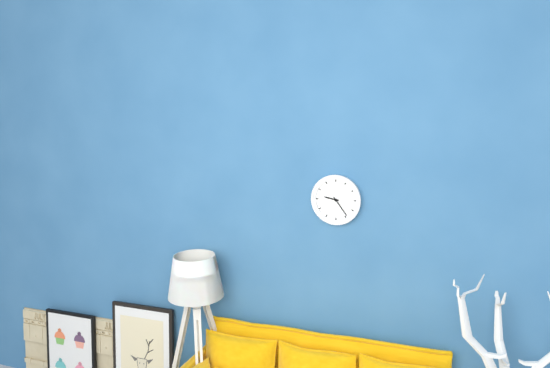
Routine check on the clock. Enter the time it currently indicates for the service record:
9:24
